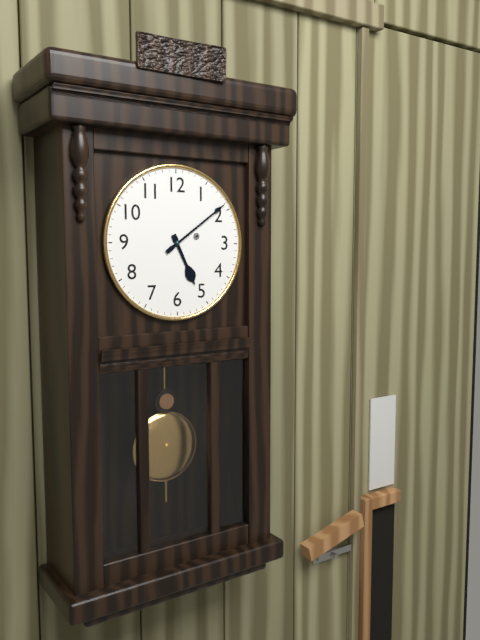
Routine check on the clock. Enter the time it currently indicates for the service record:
5:09
